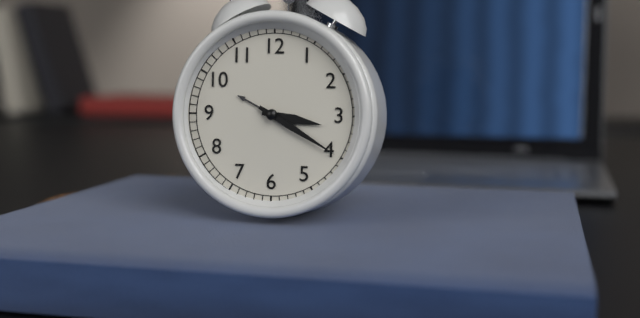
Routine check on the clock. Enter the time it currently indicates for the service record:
3:20
